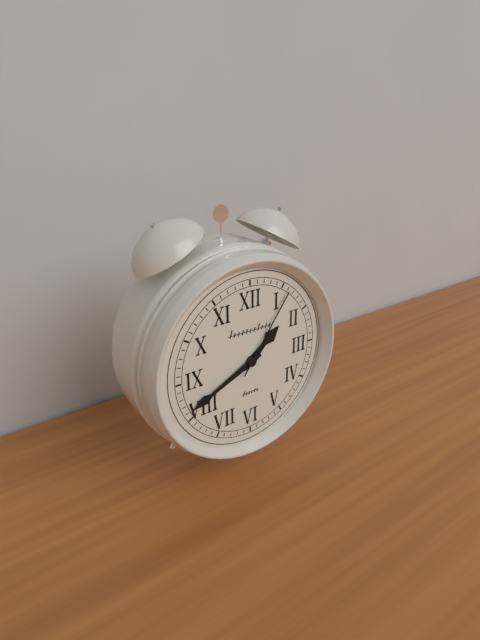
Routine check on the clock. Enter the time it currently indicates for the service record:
1:41:06
